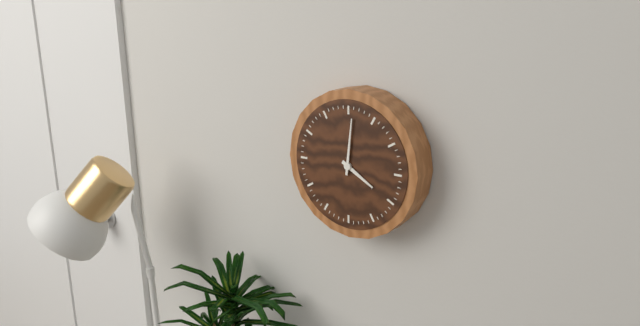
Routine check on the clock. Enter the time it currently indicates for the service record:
4:01
